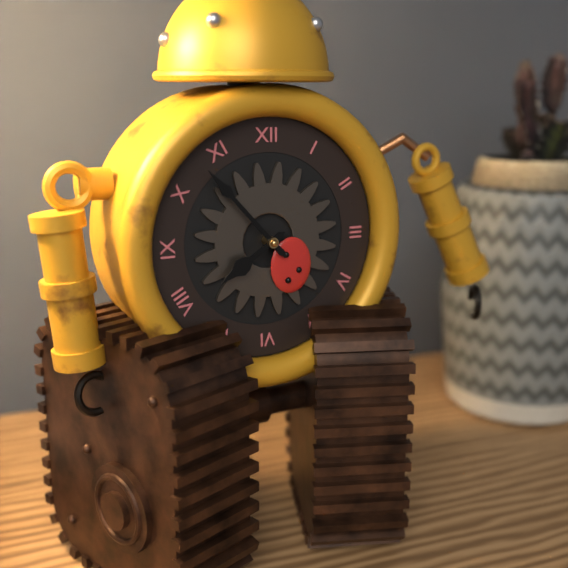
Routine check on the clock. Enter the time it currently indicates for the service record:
7:53
